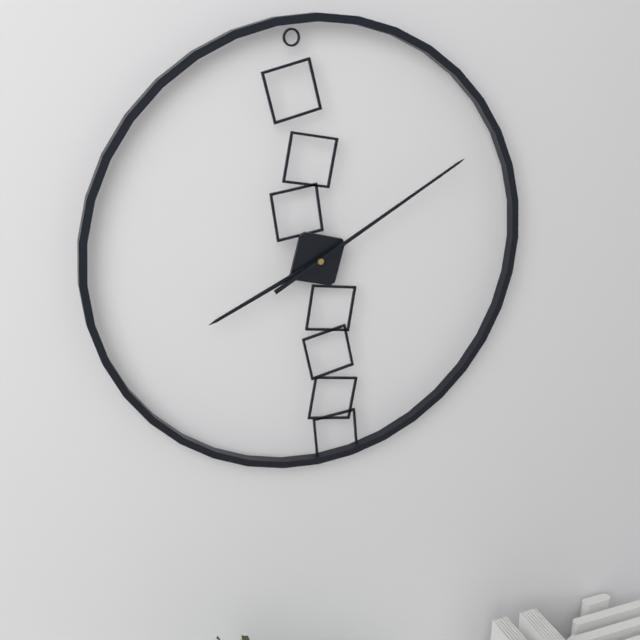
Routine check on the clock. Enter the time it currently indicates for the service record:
8:10
